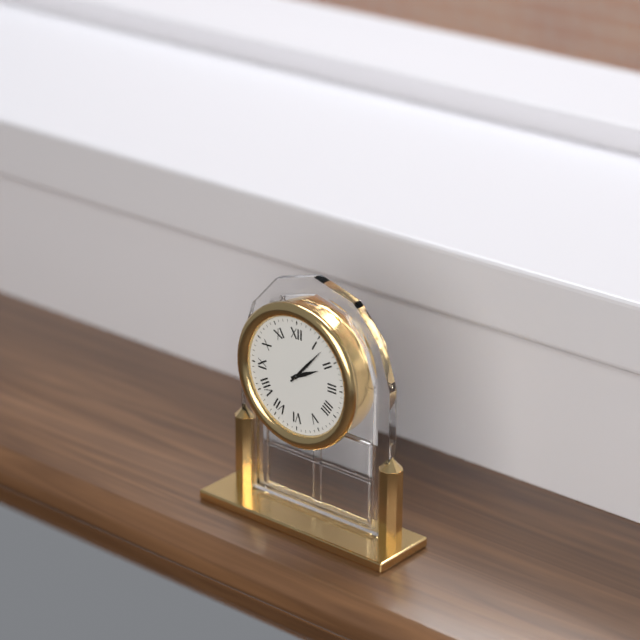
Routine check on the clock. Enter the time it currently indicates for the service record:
2:07
